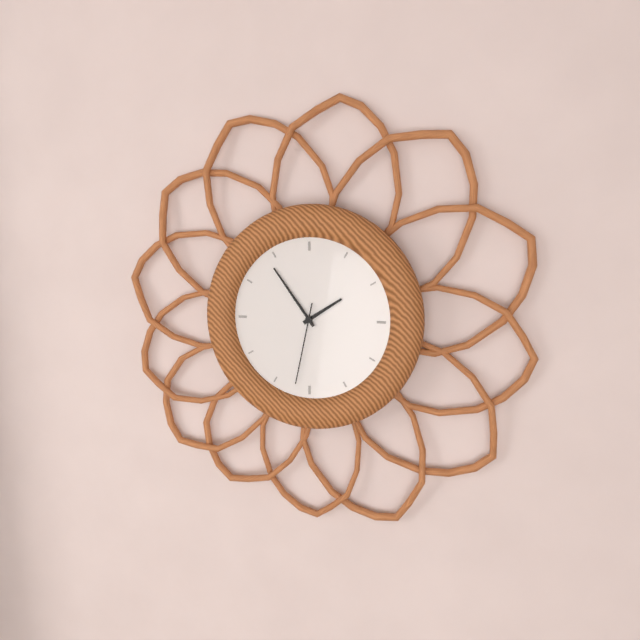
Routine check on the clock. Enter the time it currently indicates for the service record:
1:54:32
